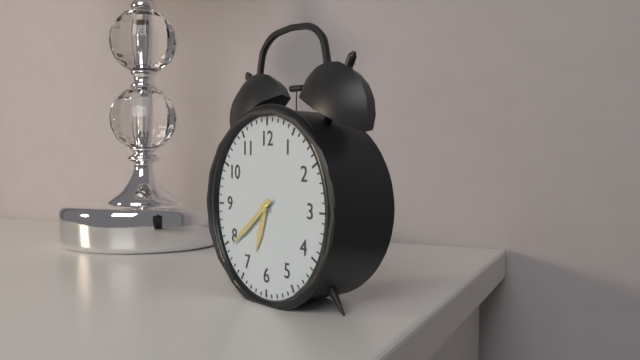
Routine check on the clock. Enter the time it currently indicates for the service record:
6:39
